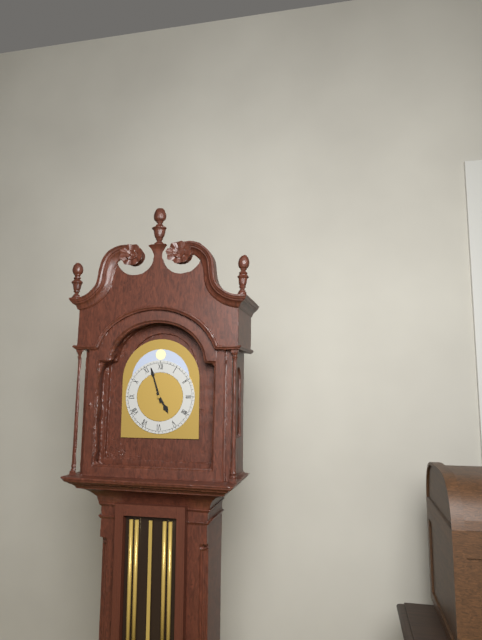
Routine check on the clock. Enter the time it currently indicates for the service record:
4:57
